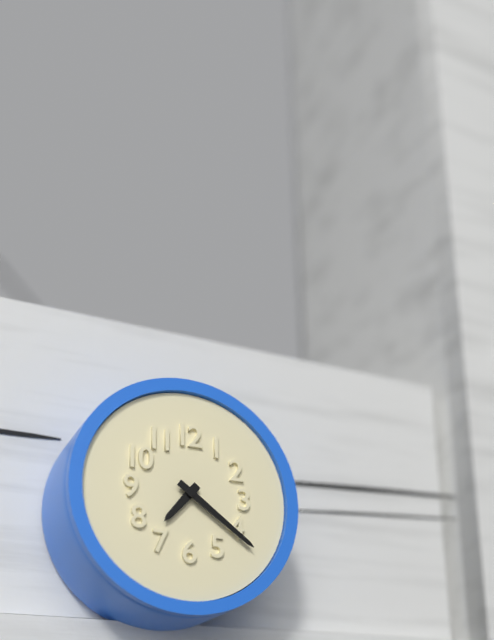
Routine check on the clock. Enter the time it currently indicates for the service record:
7:21
